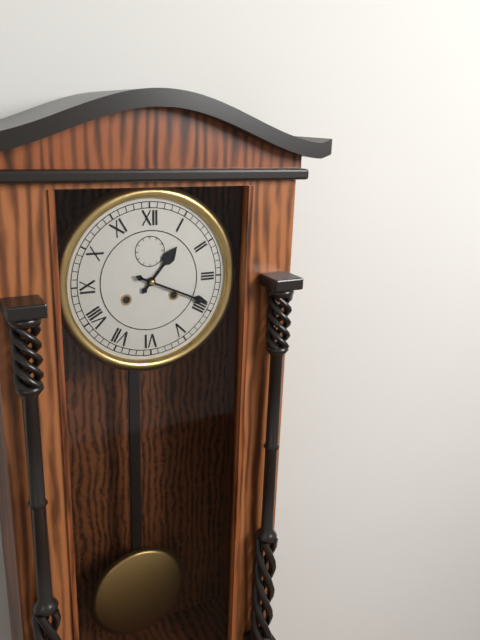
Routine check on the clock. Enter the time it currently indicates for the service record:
1:19
